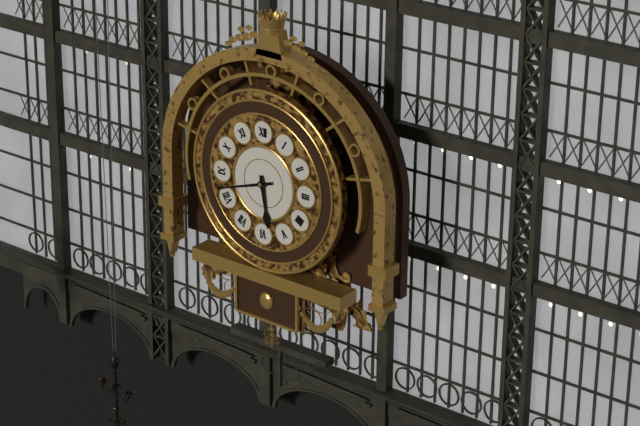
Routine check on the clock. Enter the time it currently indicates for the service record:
5:42
